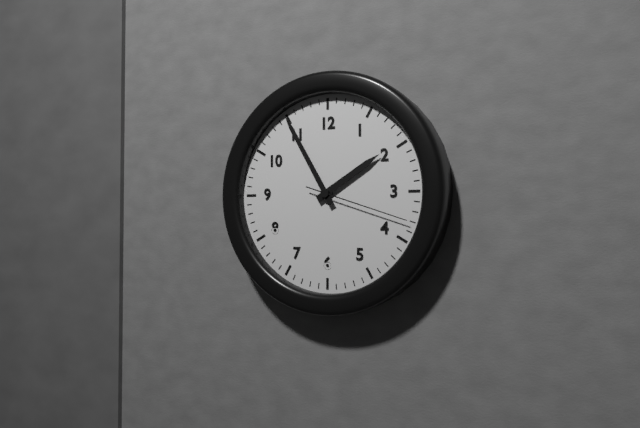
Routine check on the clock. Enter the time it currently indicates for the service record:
1:55:18
